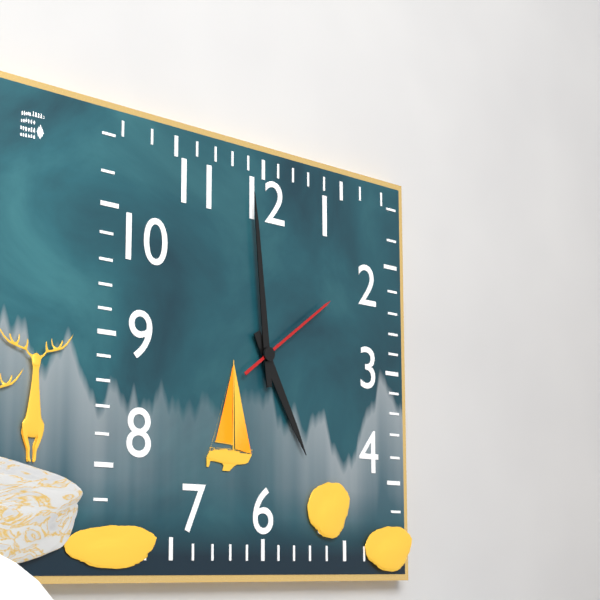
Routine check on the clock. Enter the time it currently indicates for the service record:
4:59:09
